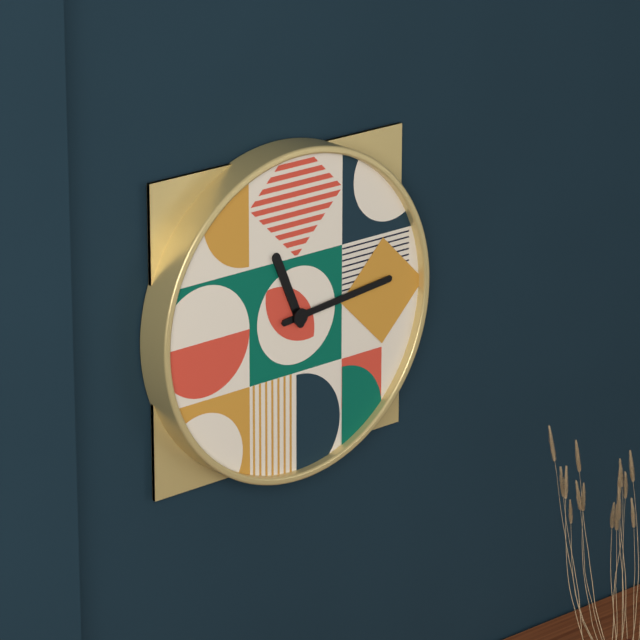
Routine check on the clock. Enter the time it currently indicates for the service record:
11:14
